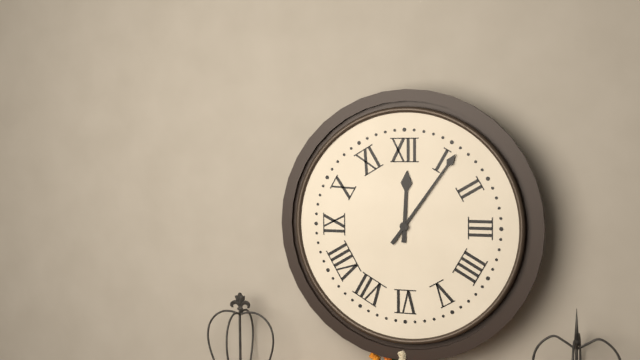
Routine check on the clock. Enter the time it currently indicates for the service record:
12:06
